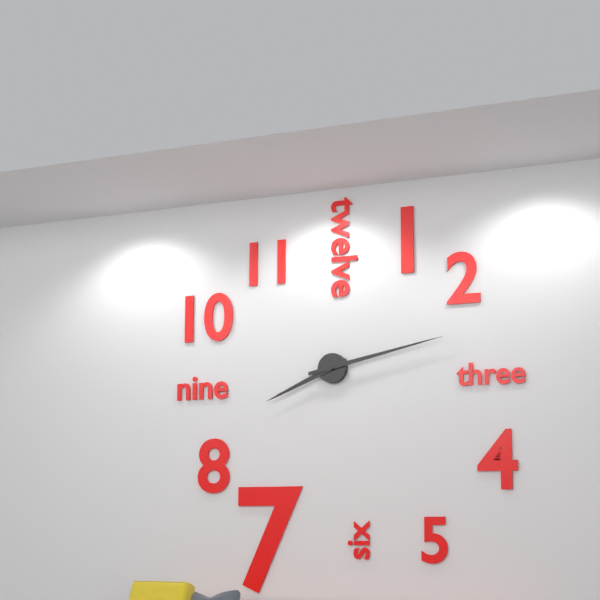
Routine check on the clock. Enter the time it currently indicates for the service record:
8:13
